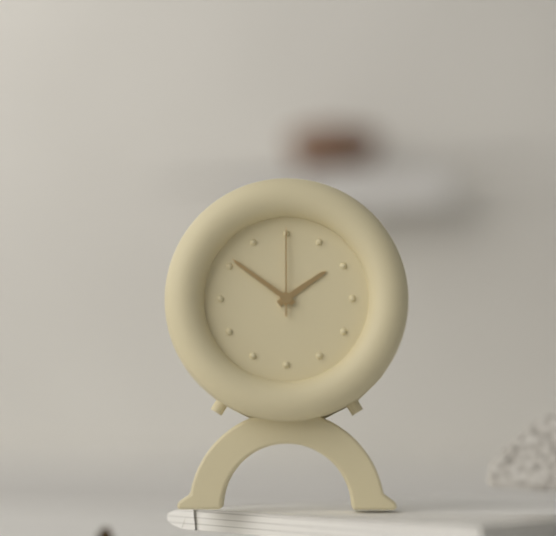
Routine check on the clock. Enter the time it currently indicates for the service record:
1:51:00
